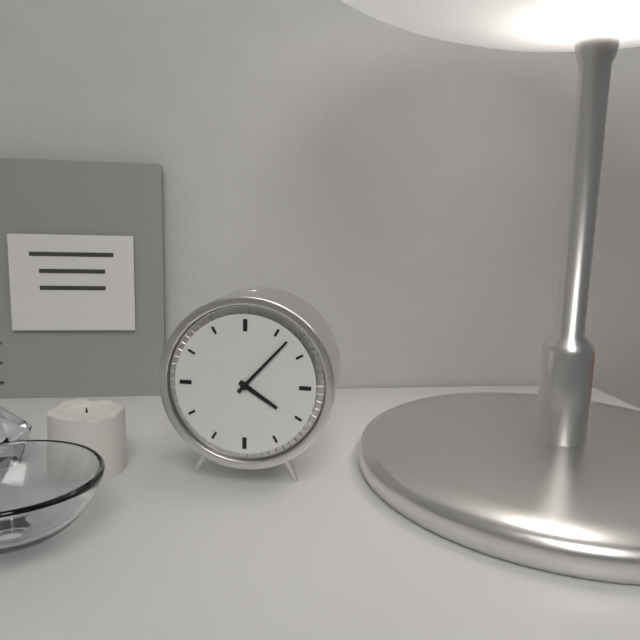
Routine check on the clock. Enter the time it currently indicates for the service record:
4:07
